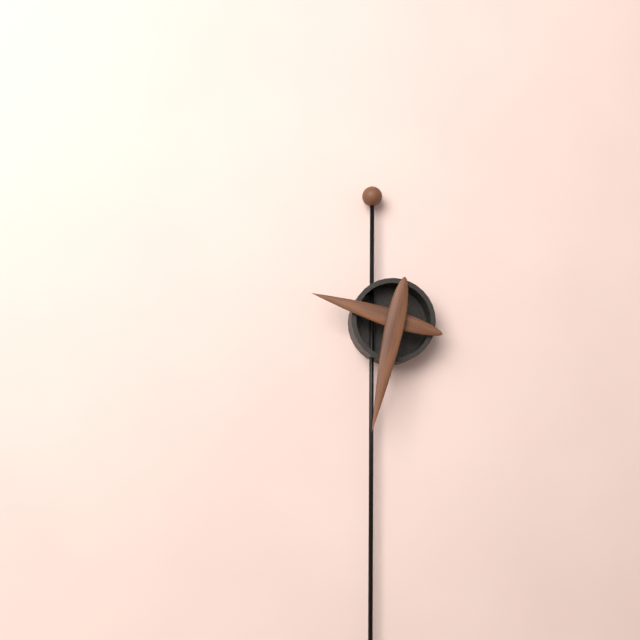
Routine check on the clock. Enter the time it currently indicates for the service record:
9:32
